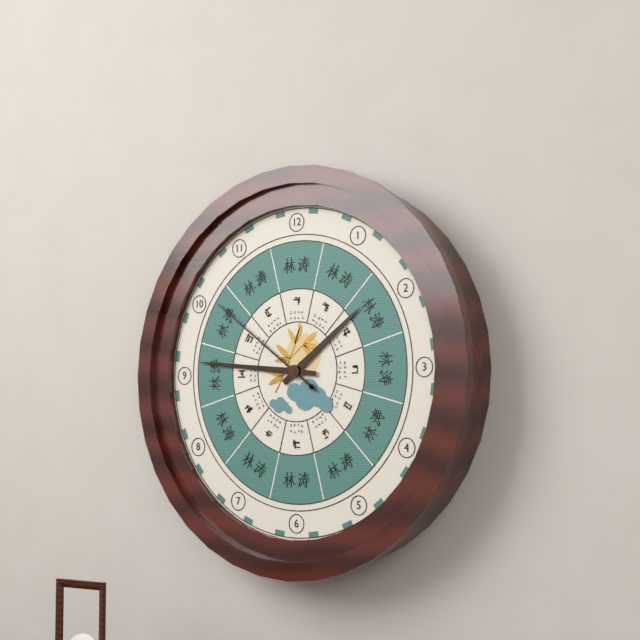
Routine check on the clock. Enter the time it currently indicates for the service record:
1:46:51
